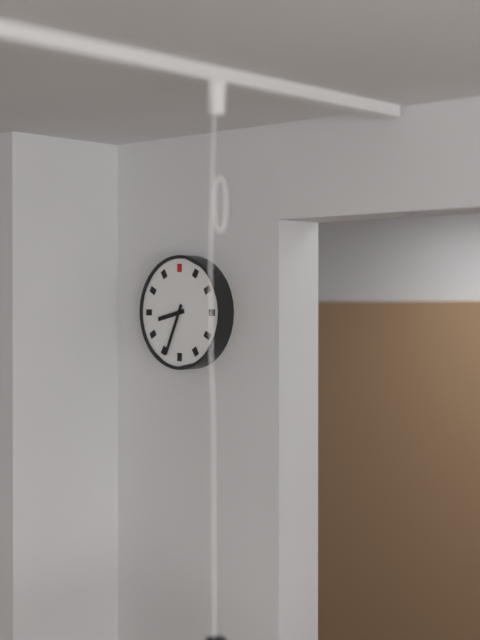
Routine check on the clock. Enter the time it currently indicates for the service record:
8:34
